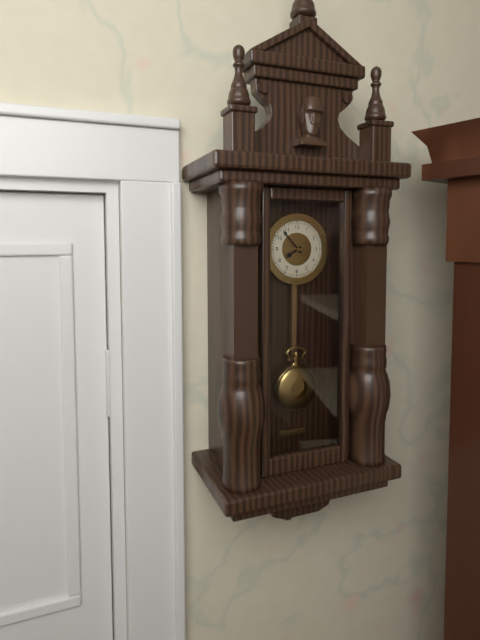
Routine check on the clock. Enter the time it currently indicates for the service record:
7:53
